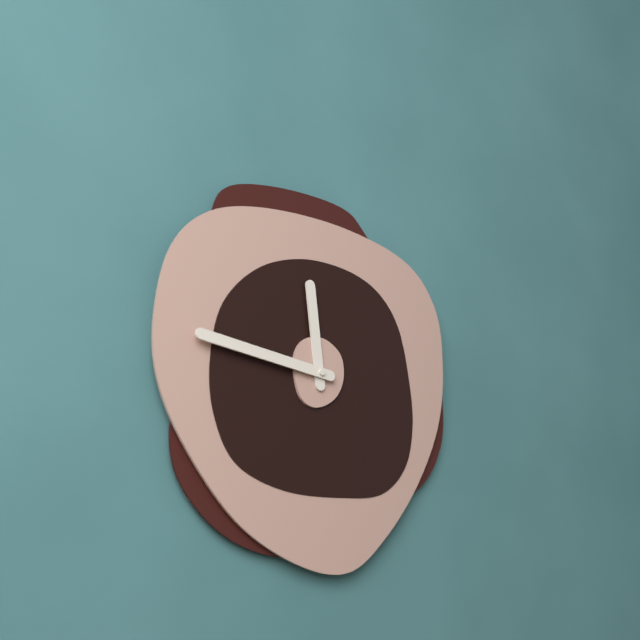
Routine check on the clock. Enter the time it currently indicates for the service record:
11:46
